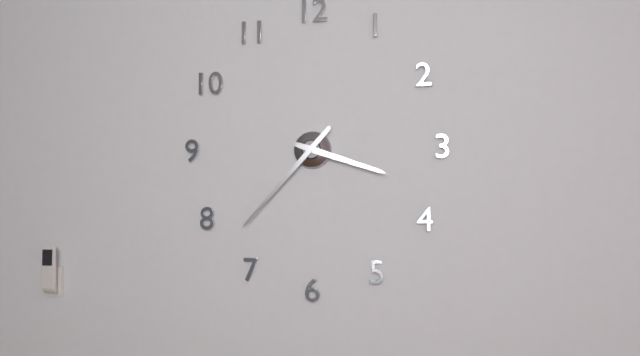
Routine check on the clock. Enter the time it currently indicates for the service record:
3:37
